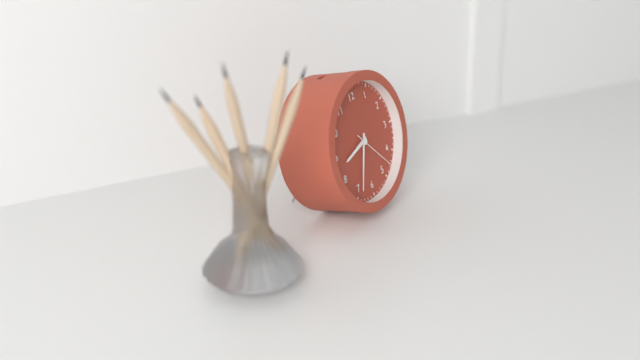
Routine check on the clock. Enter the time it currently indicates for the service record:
8:34
